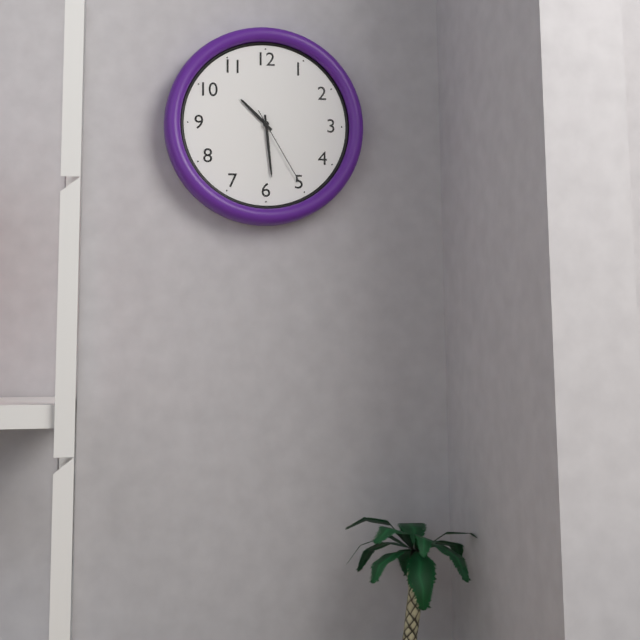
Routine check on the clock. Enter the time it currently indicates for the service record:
10:29:25
